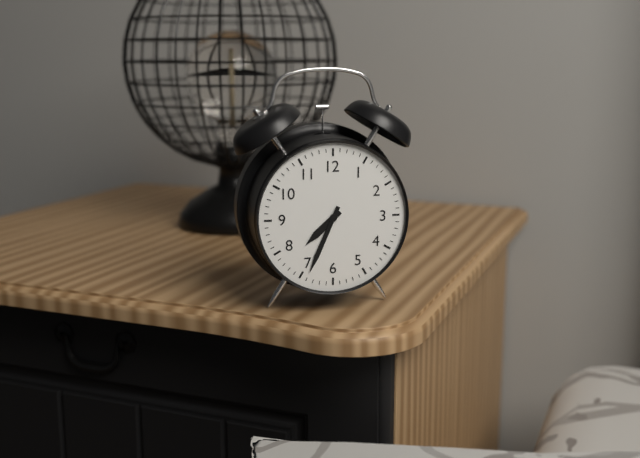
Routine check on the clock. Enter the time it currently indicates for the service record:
7:34
